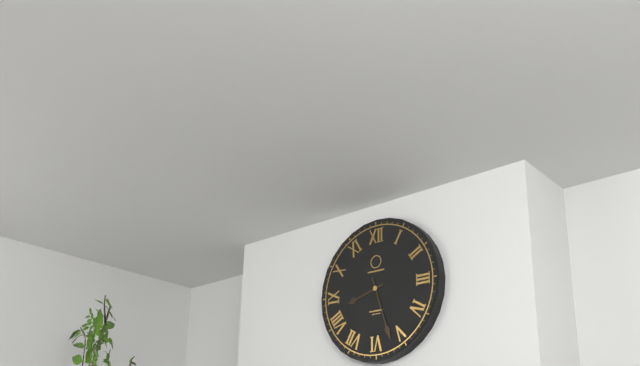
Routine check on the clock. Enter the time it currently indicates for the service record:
8:27
